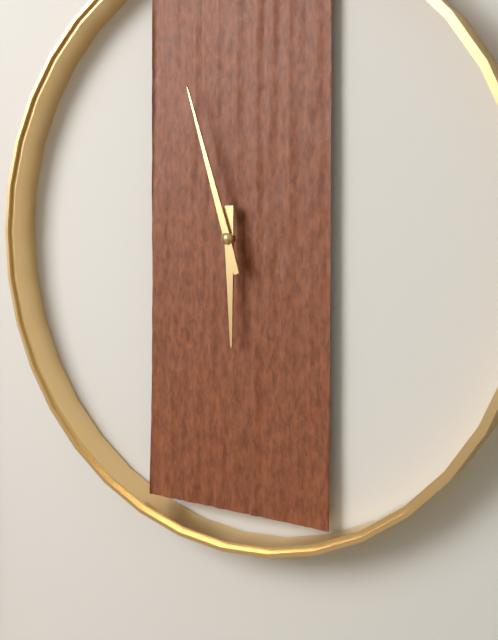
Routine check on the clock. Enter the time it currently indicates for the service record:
5:57
